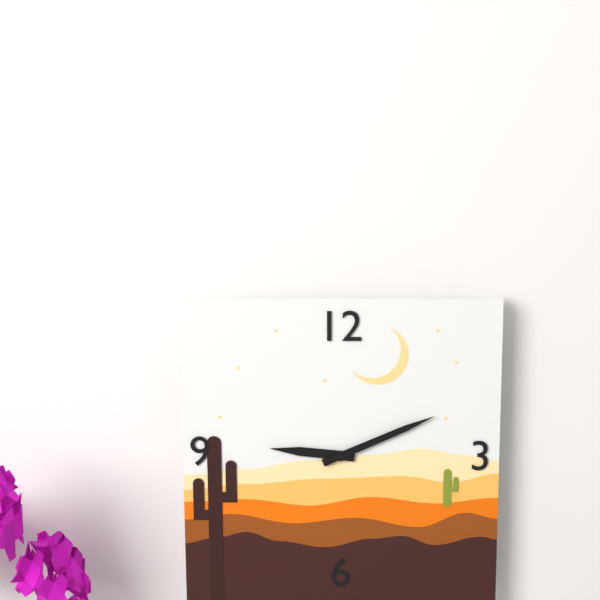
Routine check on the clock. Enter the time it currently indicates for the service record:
9:11
